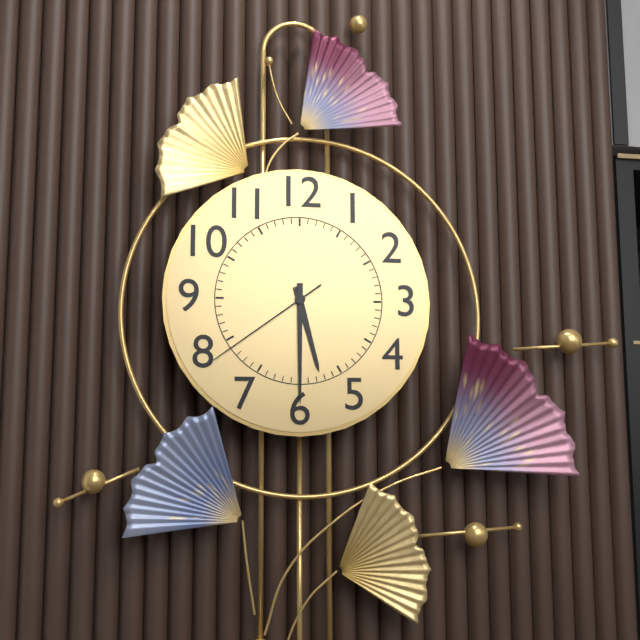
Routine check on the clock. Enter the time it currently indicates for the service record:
5:30:39
